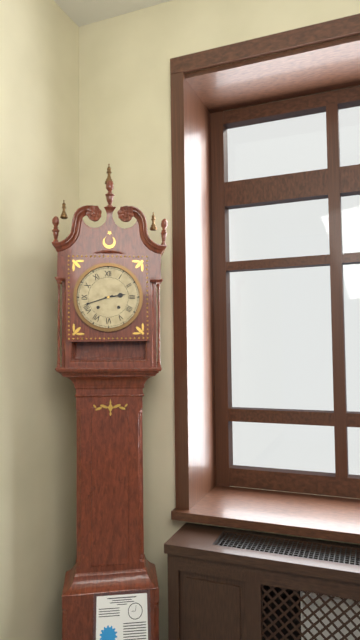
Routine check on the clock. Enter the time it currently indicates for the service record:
2:42
